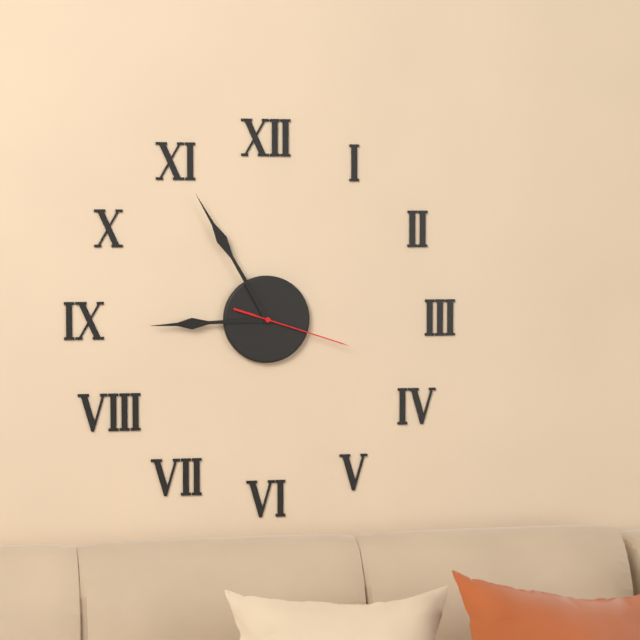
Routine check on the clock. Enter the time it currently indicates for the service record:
8:55:18
